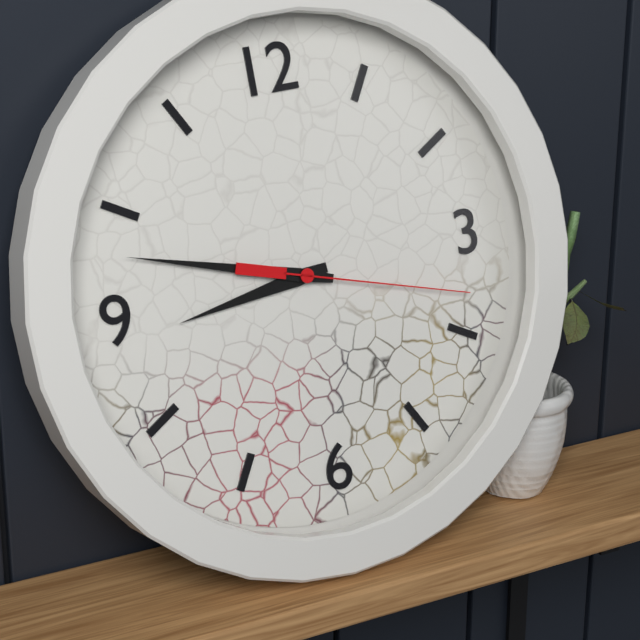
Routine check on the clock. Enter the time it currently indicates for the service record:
8:48:18
